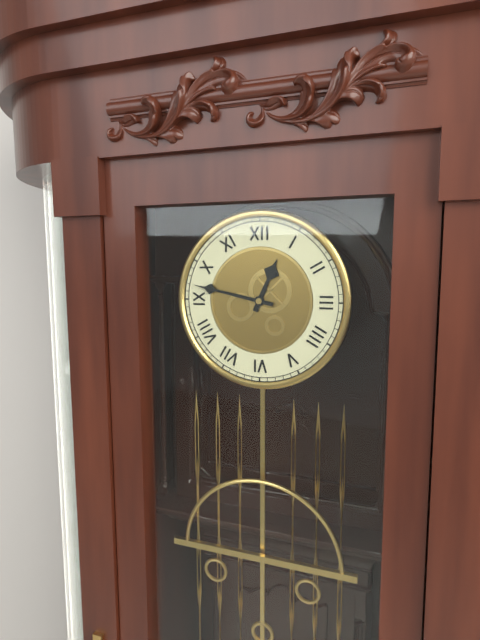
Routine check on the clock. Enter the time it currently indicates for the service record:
12:47
